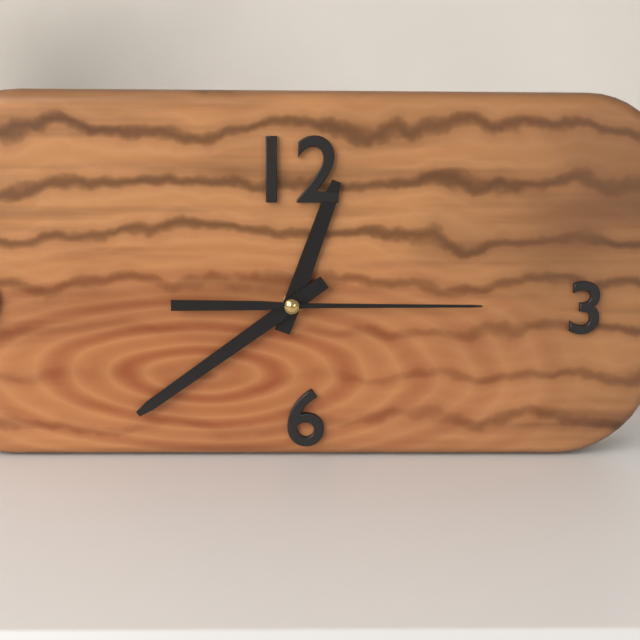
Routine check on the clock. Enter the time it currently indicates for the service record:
12:39:15
